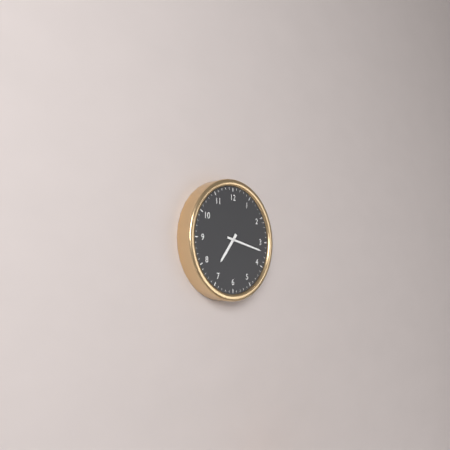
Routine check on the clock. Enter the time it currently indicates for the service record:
7:17
